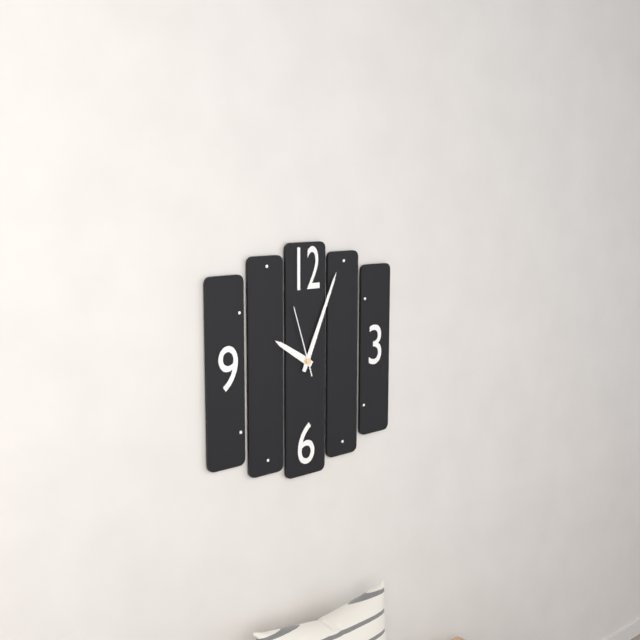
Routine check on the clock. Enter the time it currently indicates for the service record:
10:04:57
